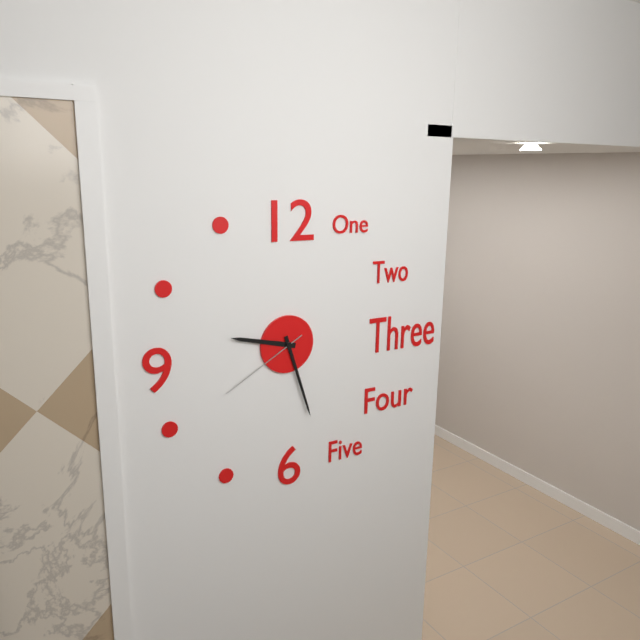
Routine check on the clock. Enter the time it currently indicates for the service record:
9:27:40
